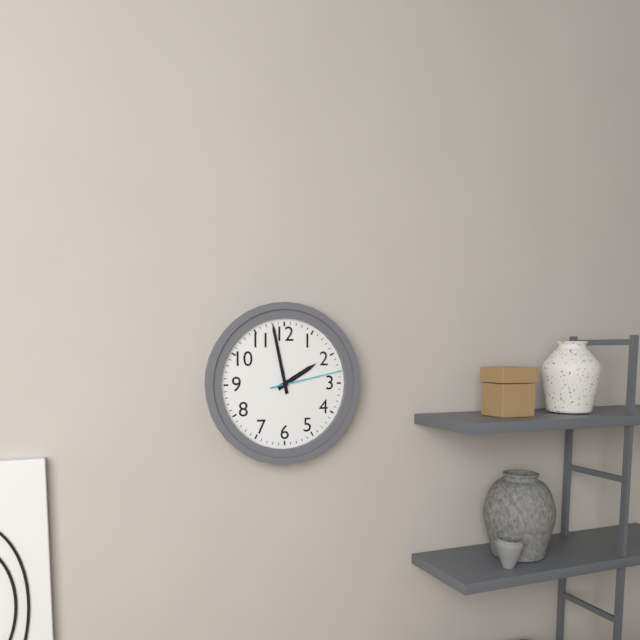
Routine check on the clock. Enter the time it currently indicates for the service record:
1:58:13
